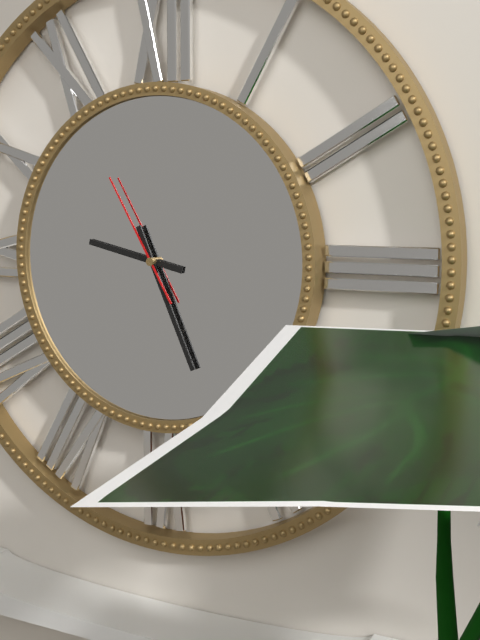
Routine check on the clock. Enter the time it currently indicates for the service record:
9:26:55
